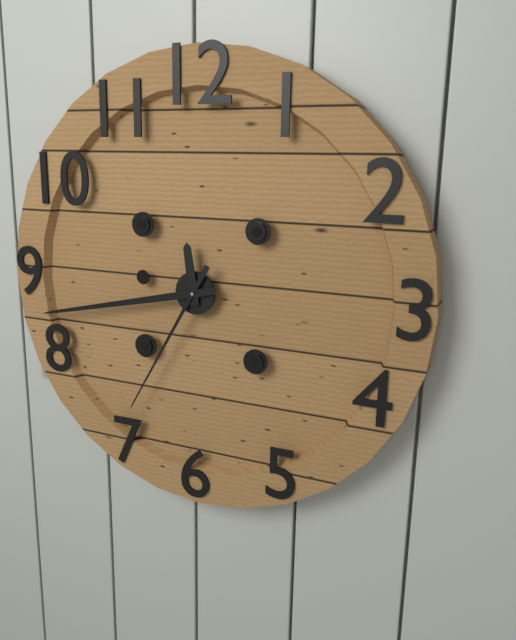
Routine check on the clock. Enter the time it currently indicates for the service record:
11:43:35
